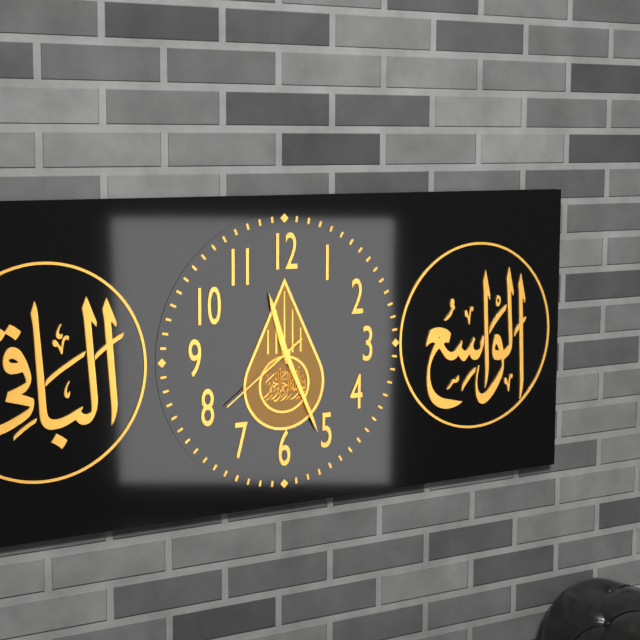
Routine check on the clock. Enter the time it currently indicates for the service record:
11:26:39
